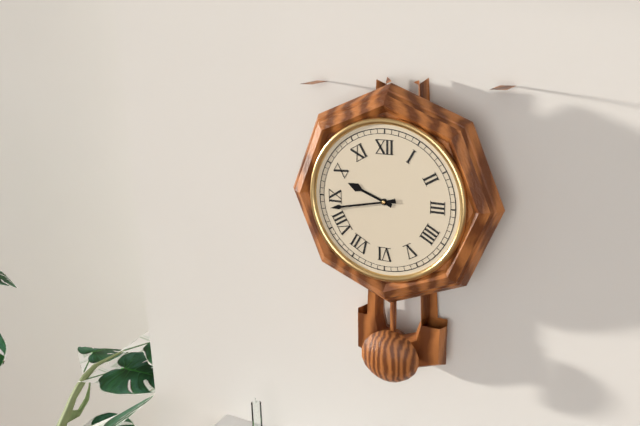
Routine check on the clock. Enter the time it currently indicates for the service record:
9:43
